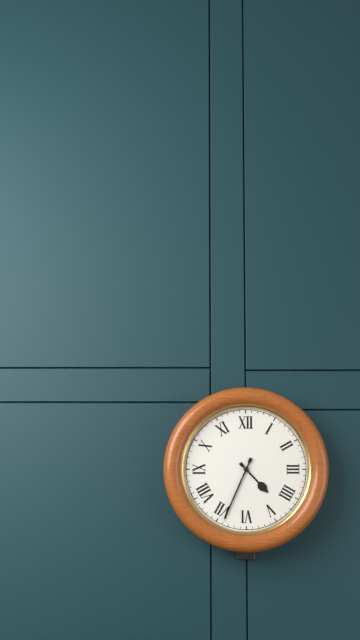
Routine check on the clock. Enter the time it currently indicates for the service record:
4:34
